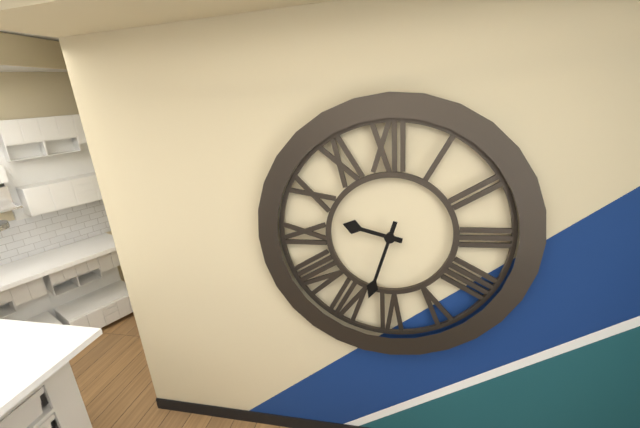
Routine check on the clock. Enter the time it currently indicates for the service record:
9:33
